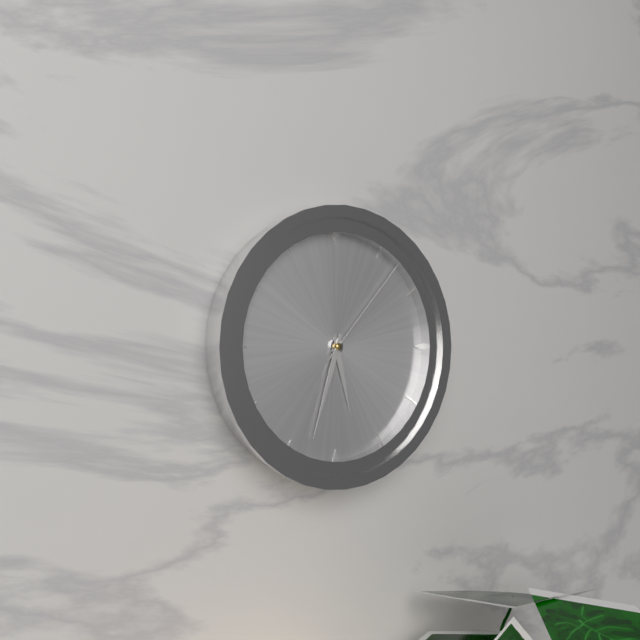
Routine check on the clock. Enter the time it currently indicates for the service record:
5:33:07
